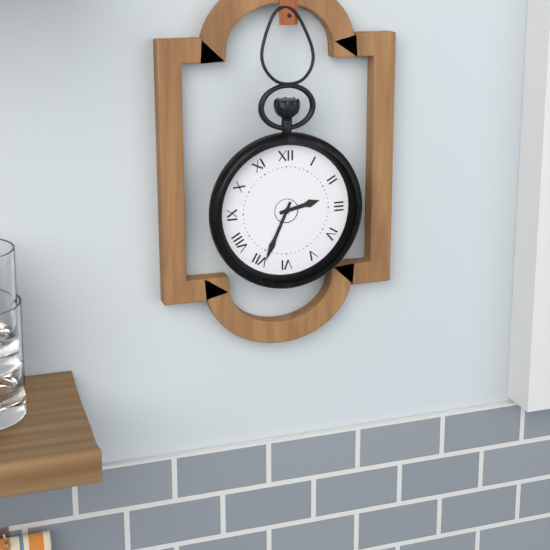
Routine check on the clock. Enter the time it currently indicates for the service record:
2:34
